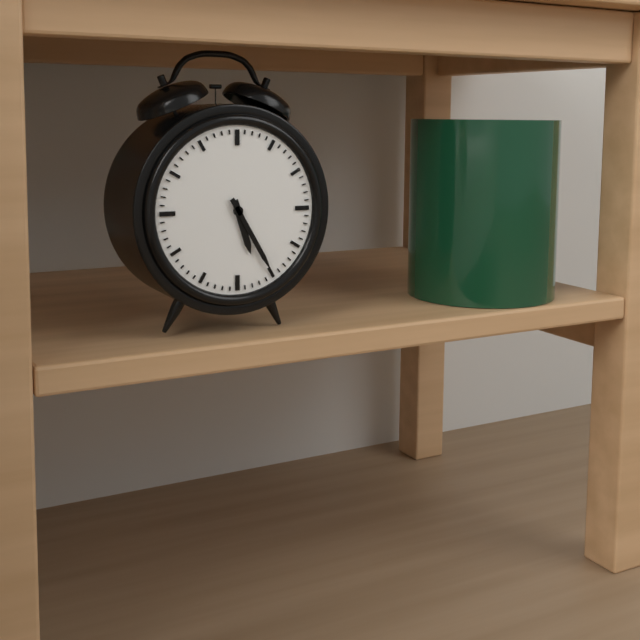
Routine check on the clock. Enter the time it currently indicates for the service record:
5:25
